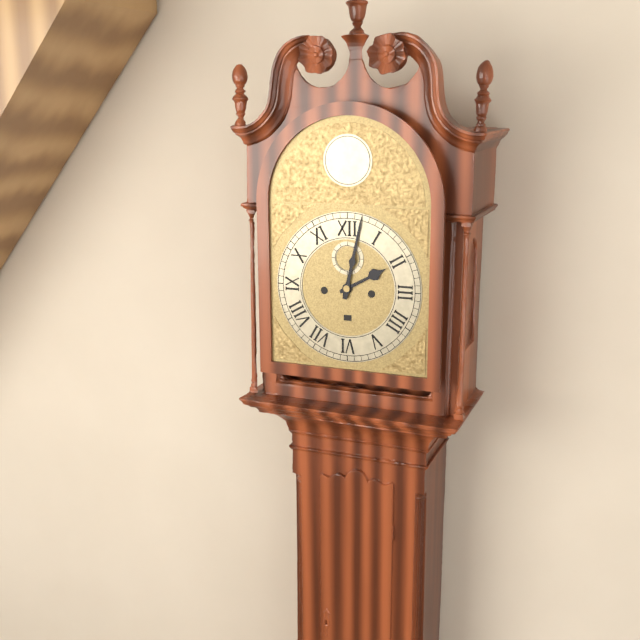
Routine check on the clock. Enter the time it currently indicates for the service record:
2:02
